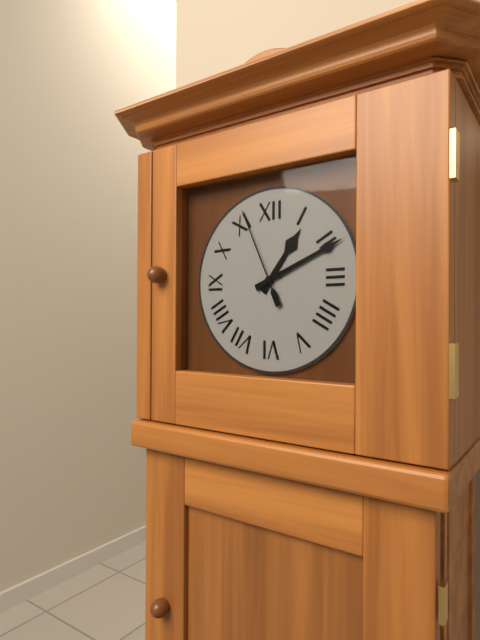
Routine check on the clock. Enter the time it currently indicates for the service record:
1:11:56
